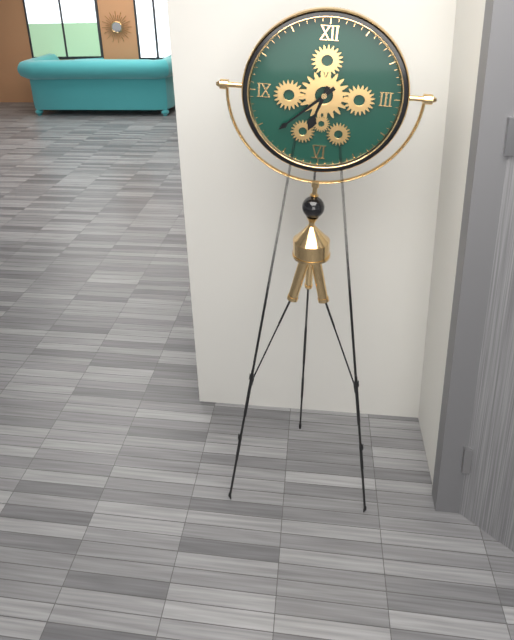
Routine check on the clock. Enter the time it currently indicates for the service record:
6:38
